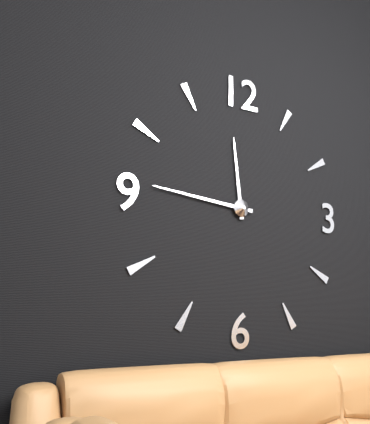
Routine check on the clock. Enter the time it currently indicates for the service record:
11:46
